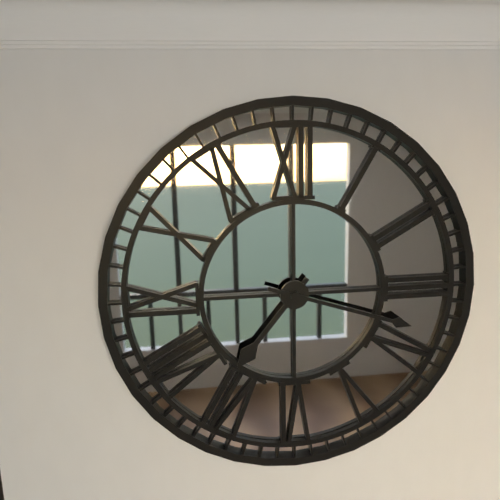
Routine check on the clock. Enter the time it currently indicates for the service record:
7:18
